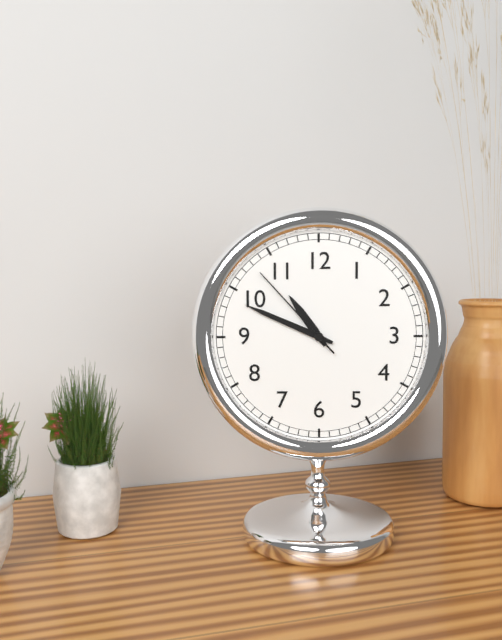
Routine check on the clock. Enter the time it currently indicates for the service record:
10:49:53
